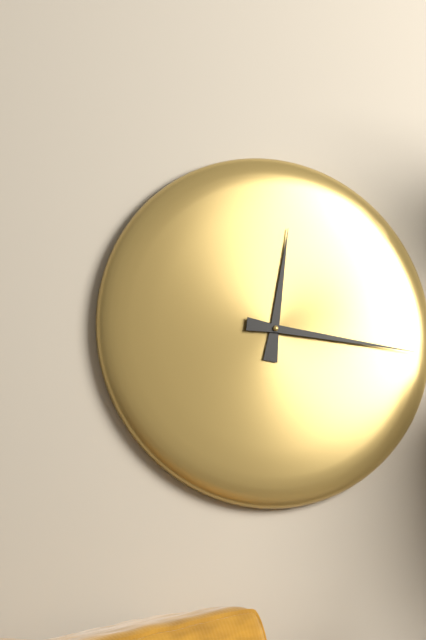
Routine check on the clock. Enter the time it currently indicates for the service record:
12:16
